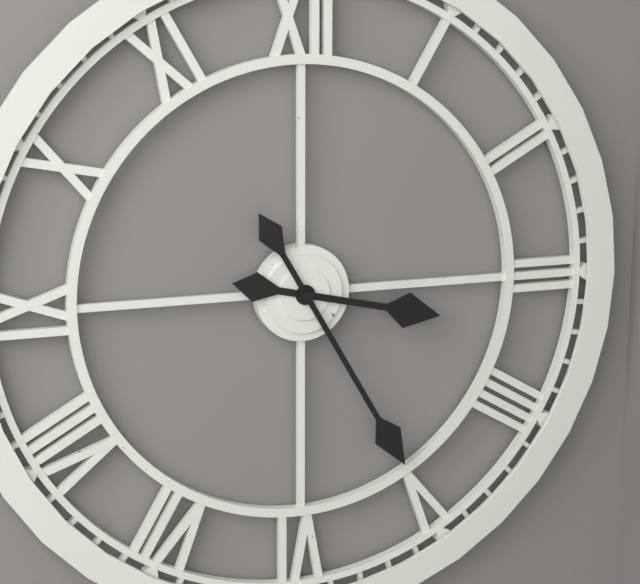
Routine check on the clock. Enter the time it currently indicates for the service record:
3:25
